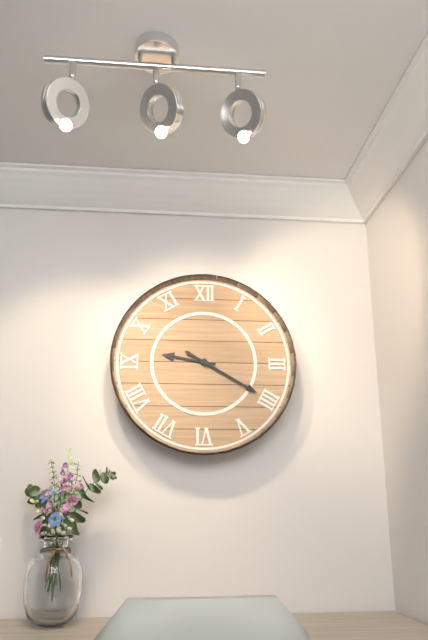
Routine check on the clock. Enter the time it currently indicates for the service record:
9:20
